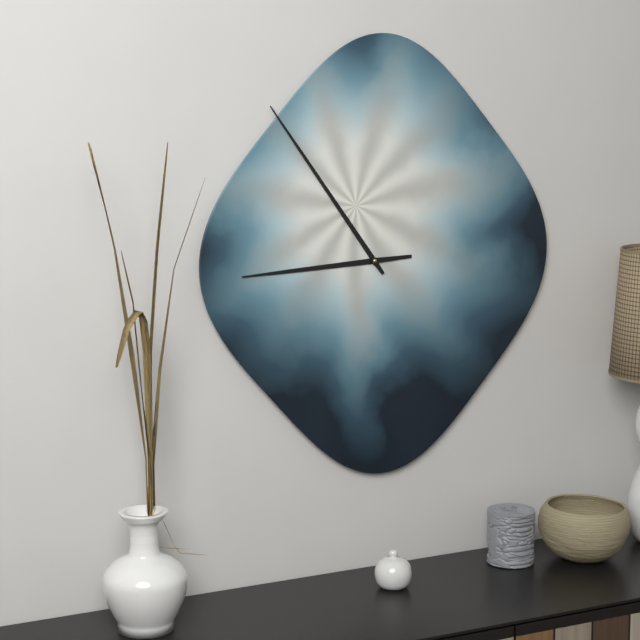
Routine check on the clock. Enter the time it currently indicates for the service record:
8:54
